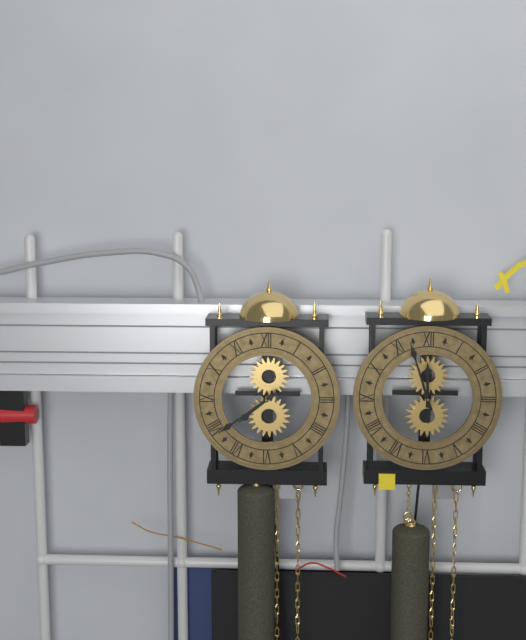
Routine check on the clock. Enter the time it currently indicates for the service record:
7:39
